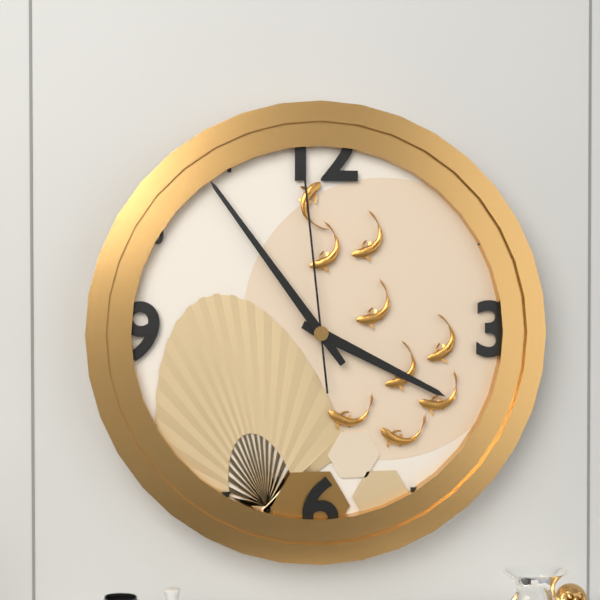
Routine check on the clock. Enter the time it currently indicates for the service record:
3:54:59
